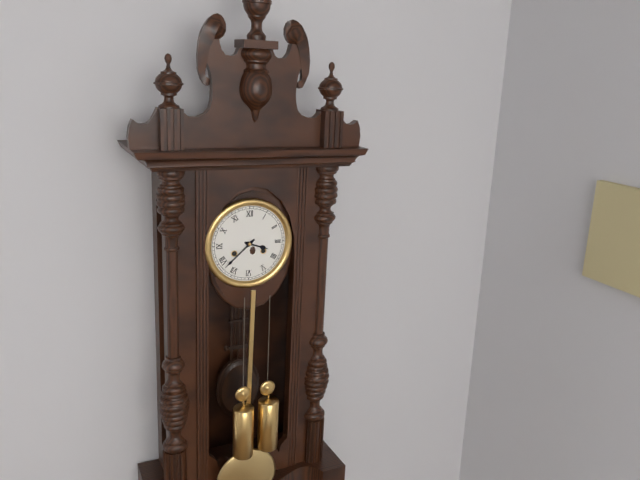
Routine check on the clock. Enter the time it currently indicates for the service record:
3:38
